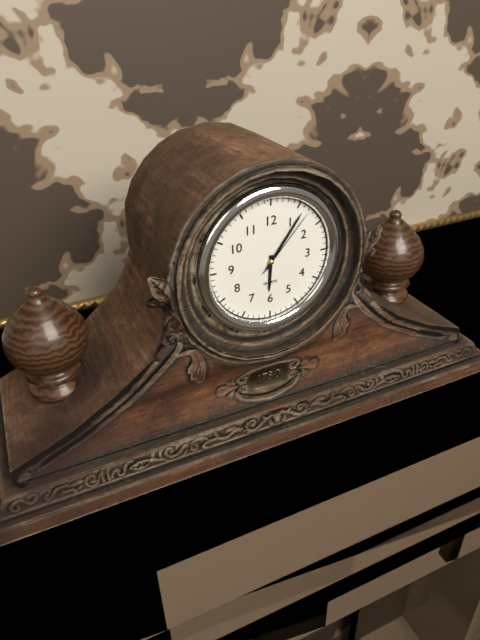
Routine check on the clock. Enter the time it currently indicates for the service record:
6:06:07
